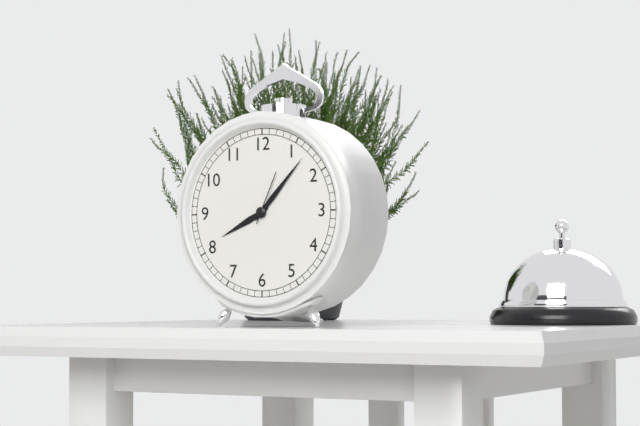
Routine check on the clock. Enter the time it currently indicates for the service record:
8:07:04
